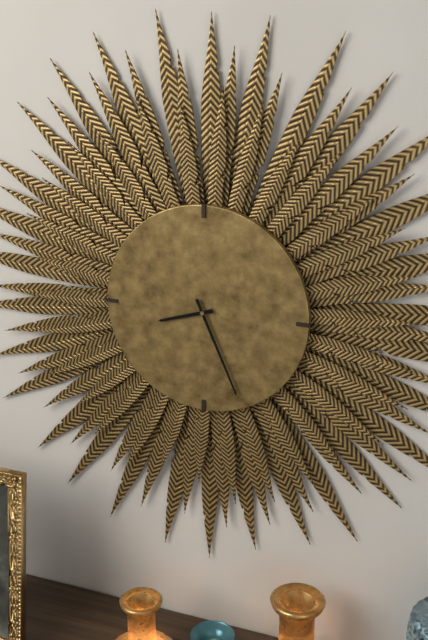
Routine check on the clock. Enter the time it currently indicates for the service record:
8:26
